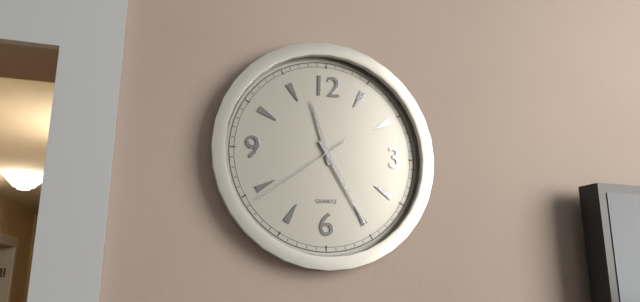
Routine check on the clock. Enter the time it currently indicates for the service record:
11:25:39
